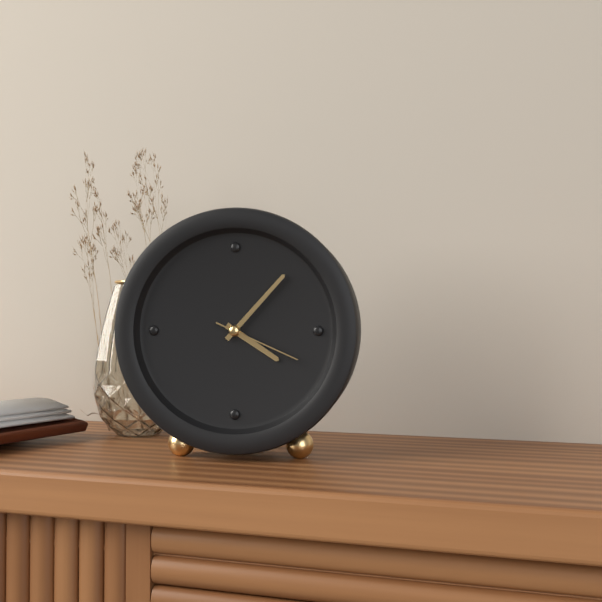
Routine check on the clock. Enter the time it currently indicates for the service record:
4:07:19
